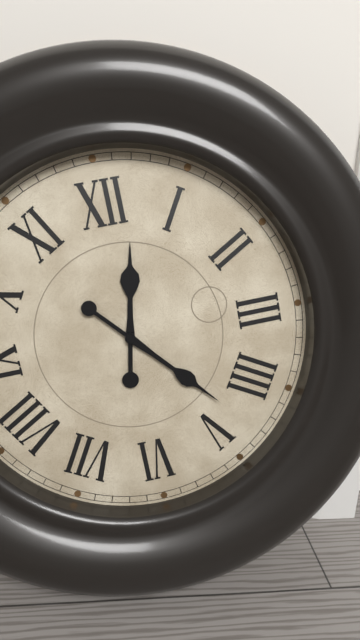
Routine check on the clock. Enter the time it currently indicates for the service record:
12:23
